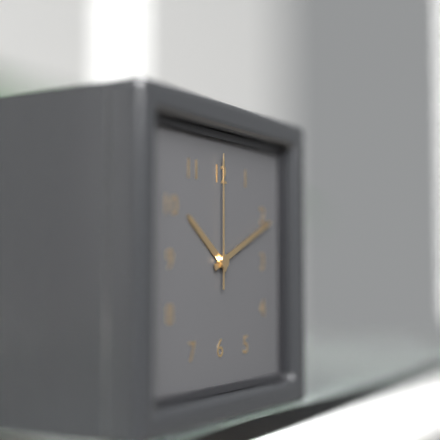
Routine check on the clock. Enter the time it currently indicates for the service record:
10:11:00
